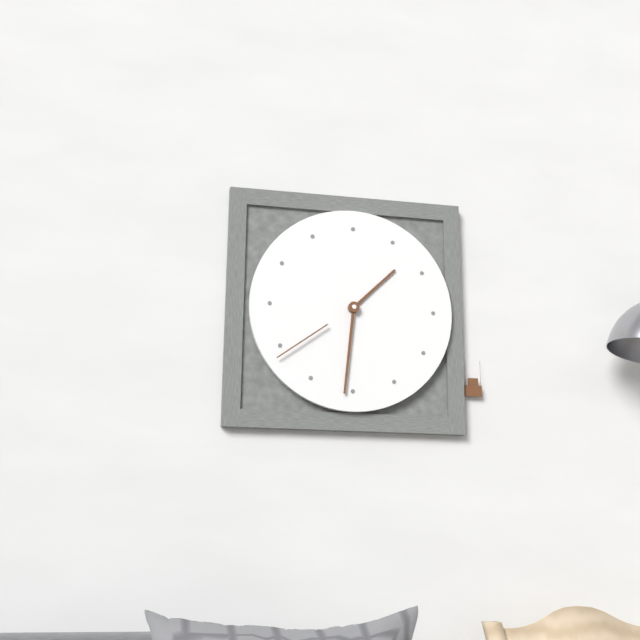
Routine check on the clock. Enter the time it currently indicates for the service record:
1:31:39
